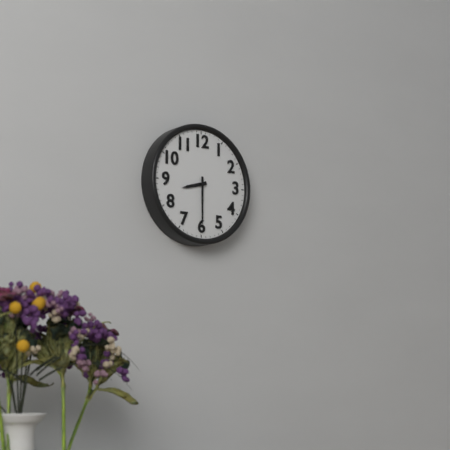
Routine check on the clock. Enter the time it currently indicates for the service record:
8:30
